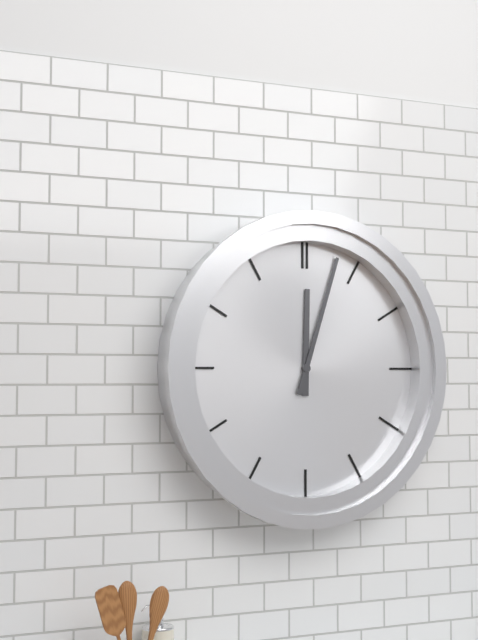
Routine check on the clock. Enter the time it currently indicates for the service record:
12:03
